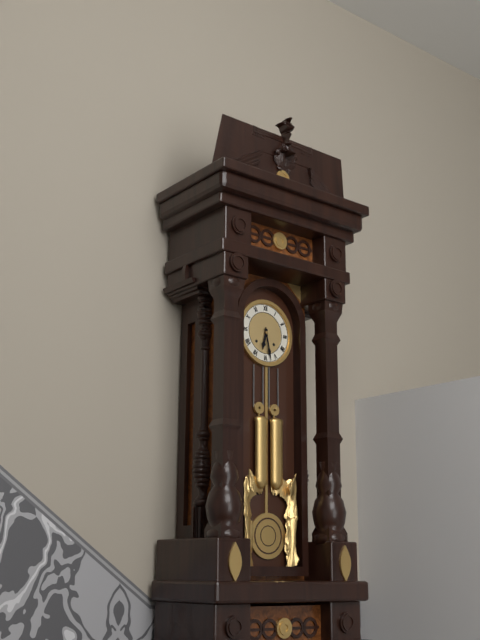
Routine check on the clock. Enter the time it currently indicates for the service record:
6:28
